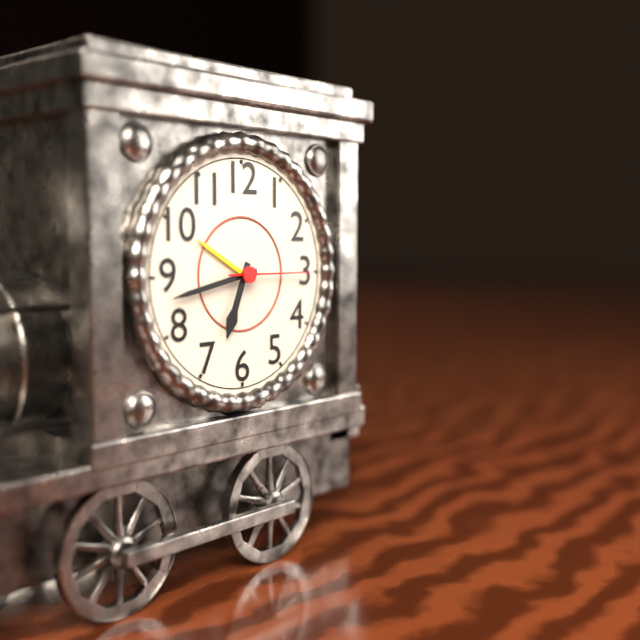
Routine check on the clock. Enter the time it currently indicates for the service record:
6:43:15
